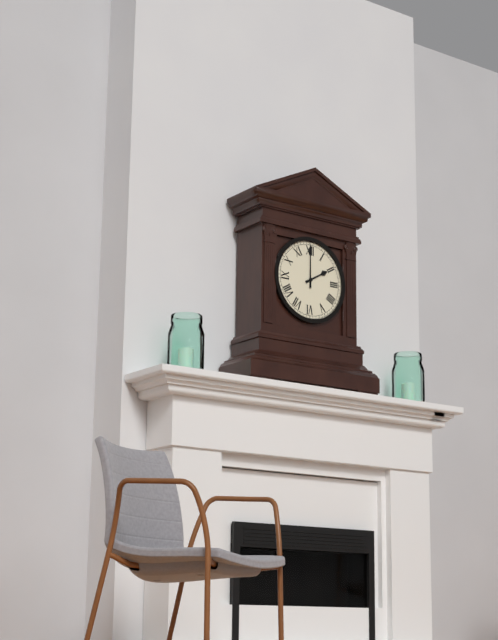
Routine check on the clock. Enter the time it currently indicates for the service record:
2:00
